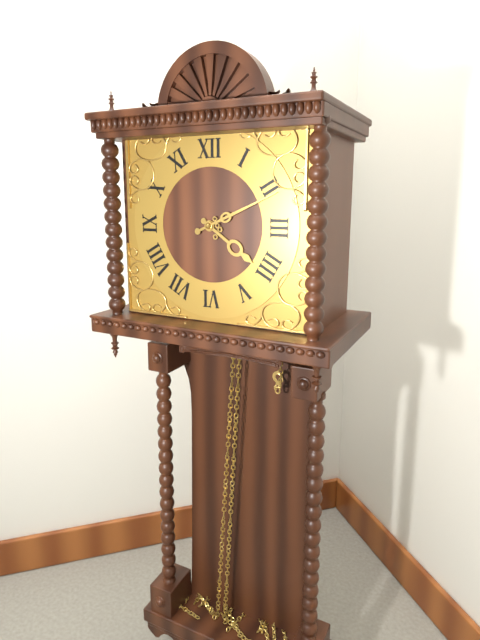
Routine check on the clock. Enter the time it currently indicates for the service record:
4:11
